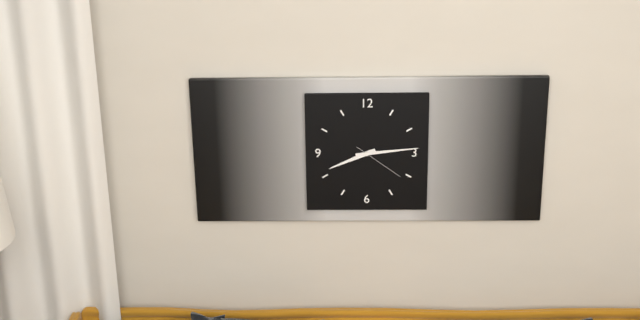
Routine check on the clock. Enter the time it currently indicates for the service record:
8:14:21
